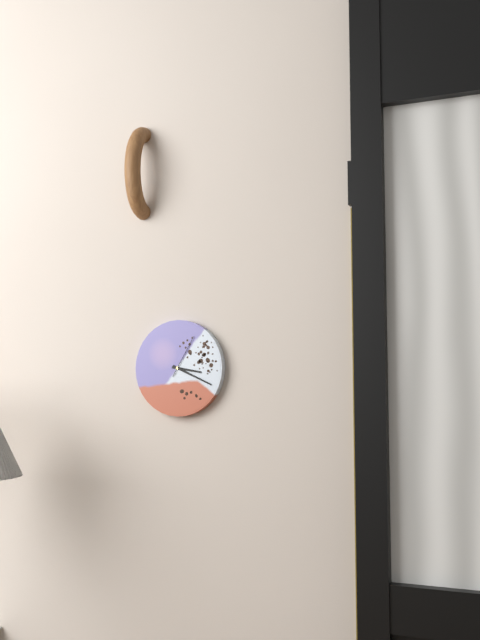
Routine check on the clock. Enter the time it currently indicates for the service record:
3:19
